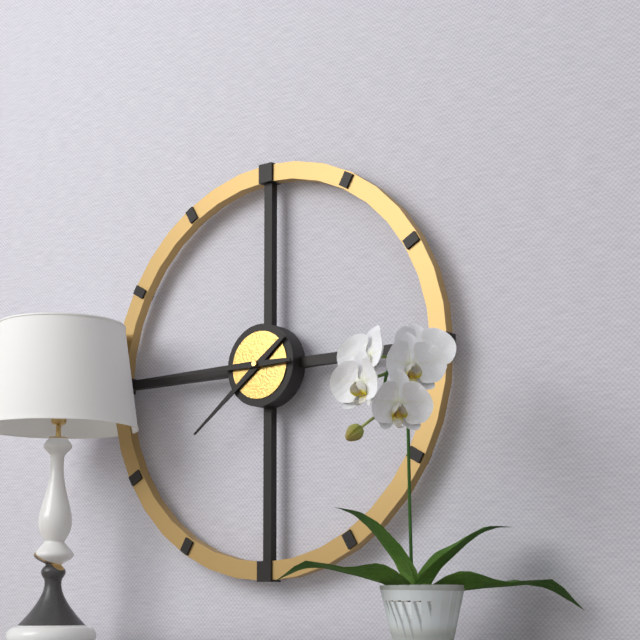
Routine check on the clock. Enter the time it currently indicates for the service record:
7:45
